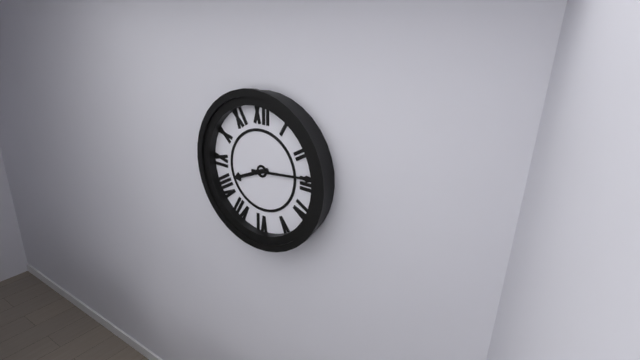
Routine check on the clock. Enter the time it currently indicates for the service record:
8:14
